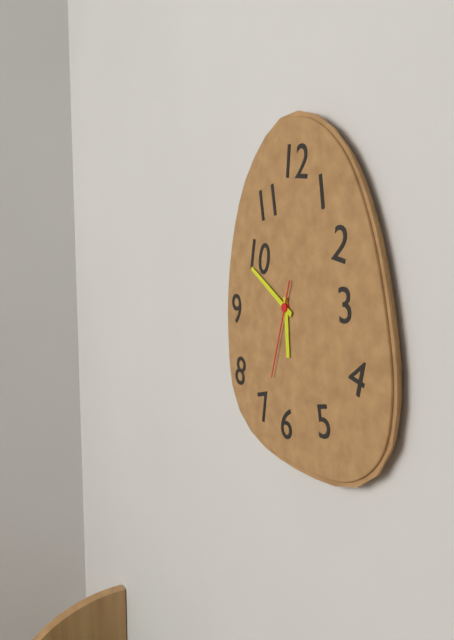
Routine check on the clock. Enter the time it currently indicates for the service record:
5:50:33
